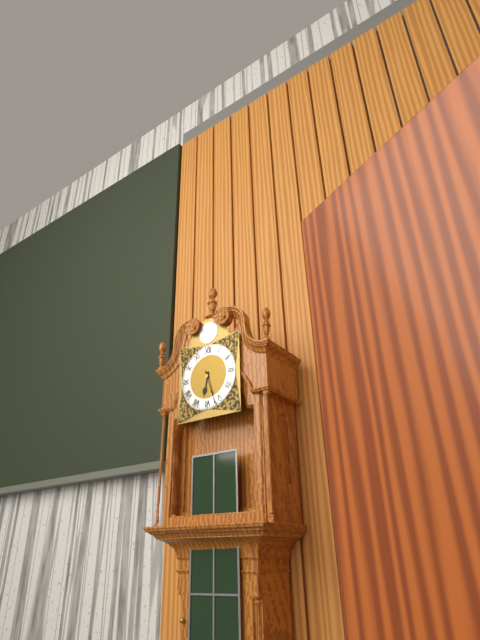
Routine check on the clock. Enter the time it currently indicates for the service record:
6:27
